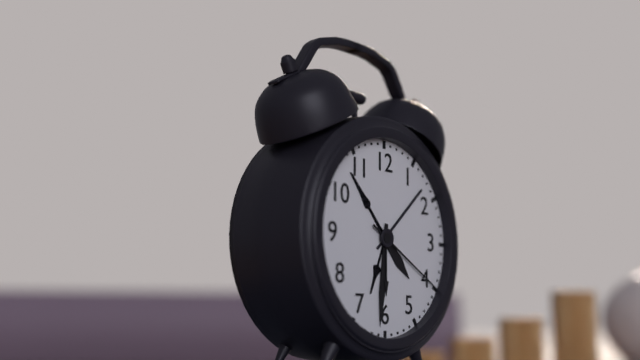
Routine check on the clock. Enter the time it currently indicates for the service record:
4:31:20
